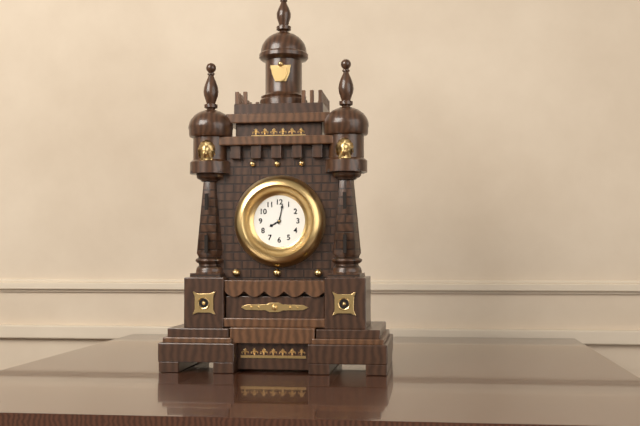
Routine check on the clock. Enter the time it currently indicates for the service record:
8:02
